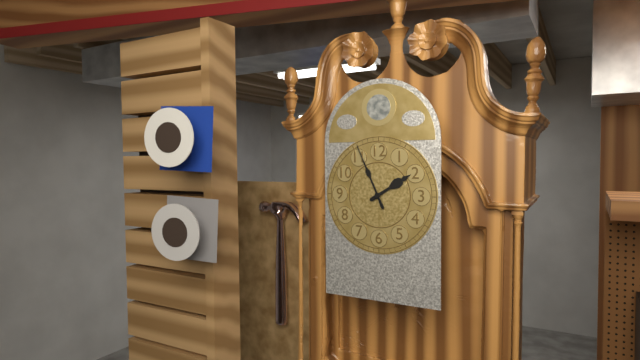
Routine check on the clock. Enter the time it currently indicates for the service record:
1:56
